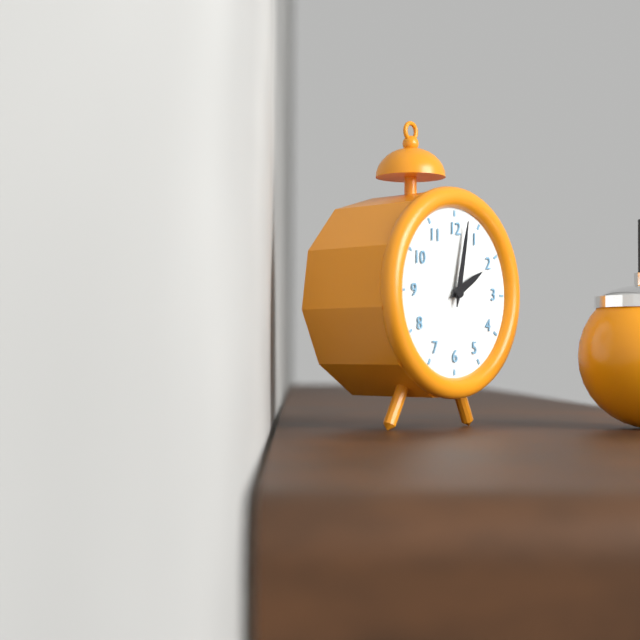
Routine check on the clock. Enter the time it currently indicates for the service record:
2:02
